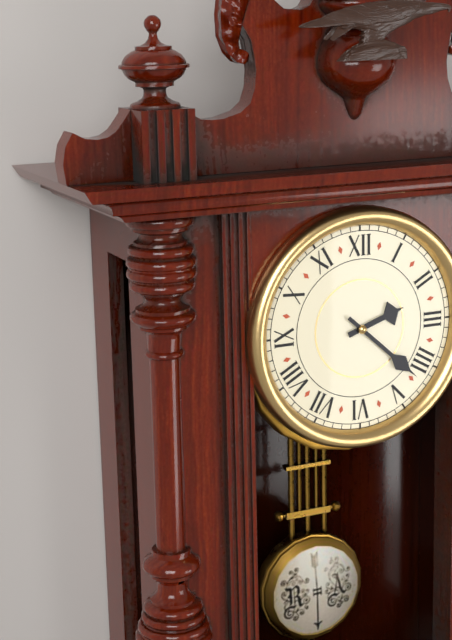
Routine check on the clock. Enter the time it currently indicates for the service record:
2:22
